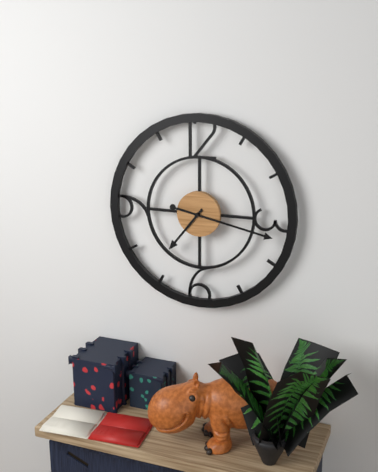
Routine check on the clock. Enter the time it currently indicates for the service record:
7:17
